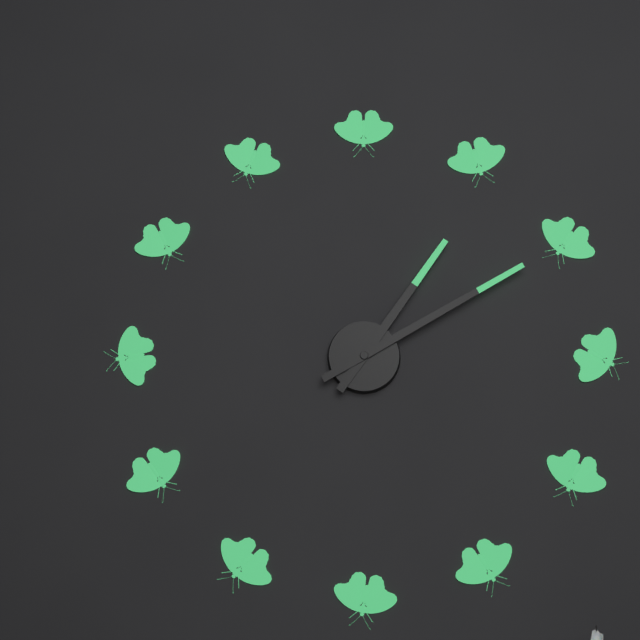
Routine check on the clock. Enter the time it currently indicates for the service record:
1:10
